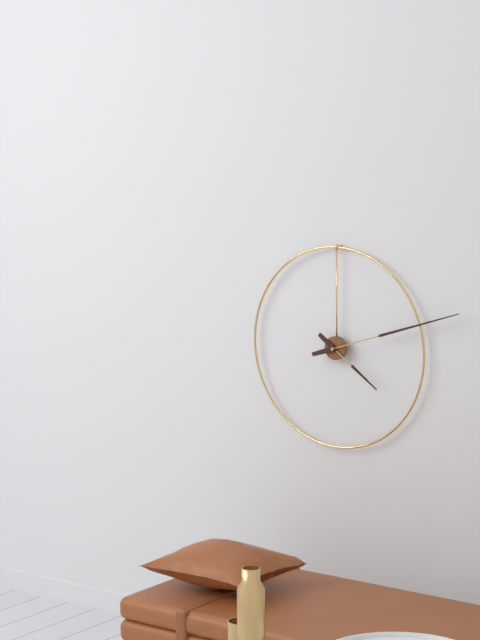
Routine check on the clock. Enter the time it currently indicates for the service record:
4:12
